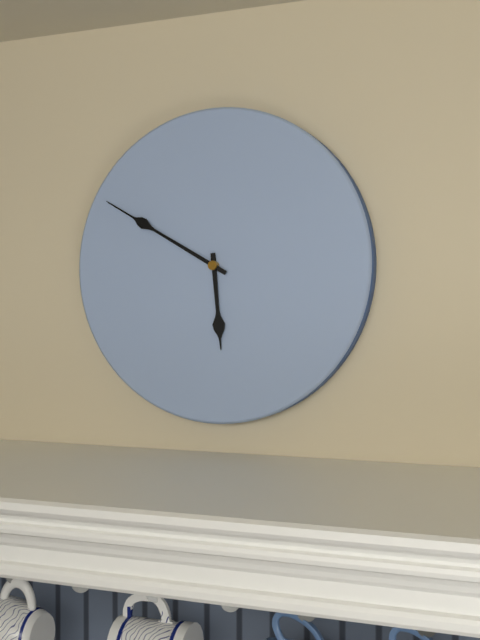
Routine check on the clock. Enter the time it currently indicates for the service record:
5:50
